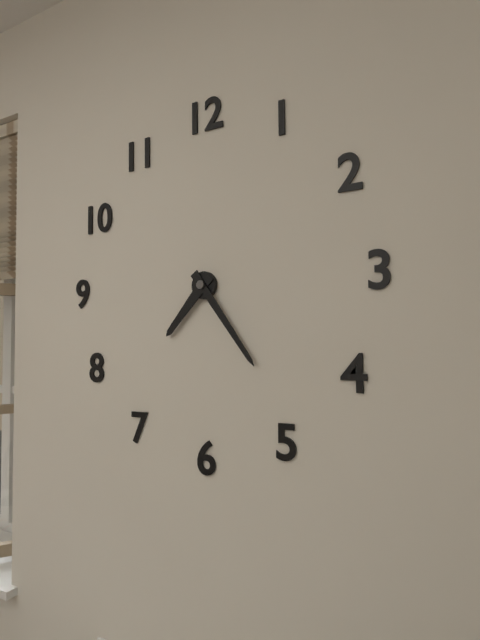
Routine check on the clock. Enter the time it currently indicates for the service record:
7:24
